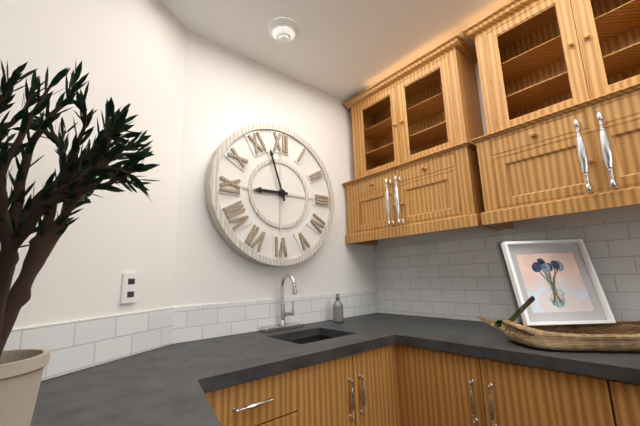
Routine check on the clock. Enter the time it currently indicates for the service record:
8:57
